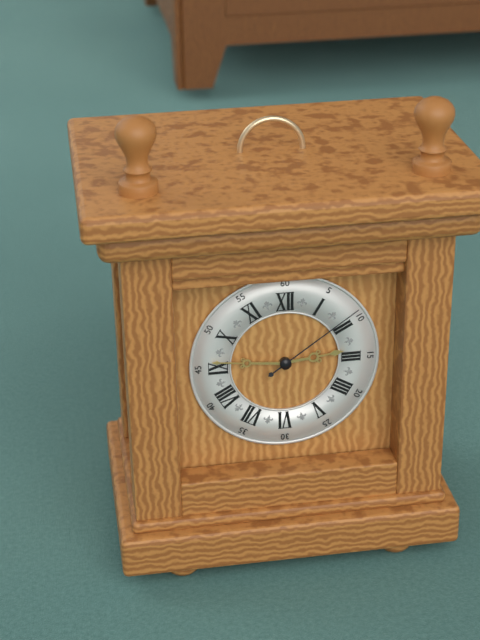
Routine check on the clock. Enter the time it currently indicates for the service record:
2:46:09
